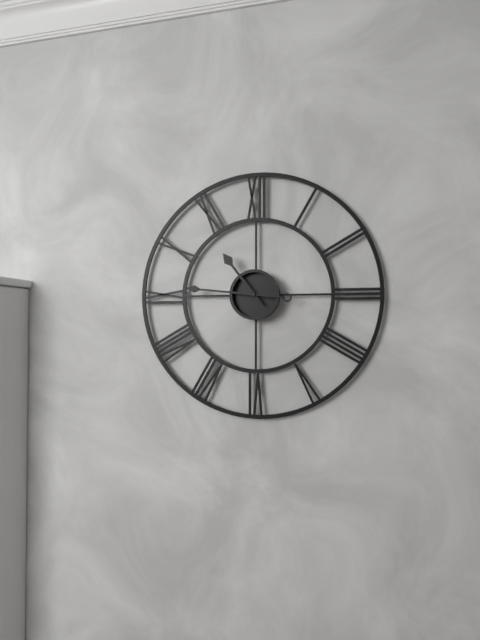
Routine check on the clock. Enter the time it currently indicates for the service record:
10:46
